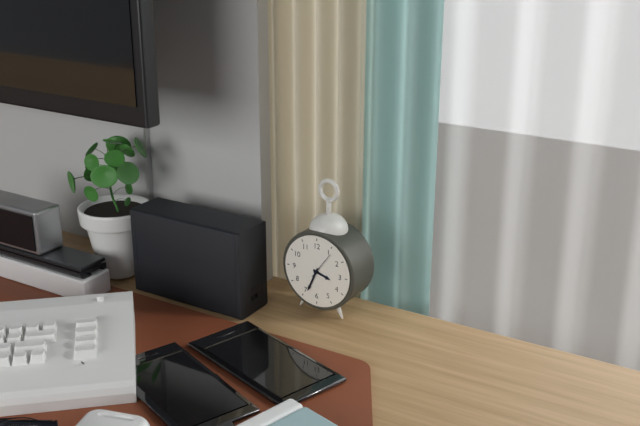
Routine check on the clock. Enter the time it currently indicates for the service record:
3:34
